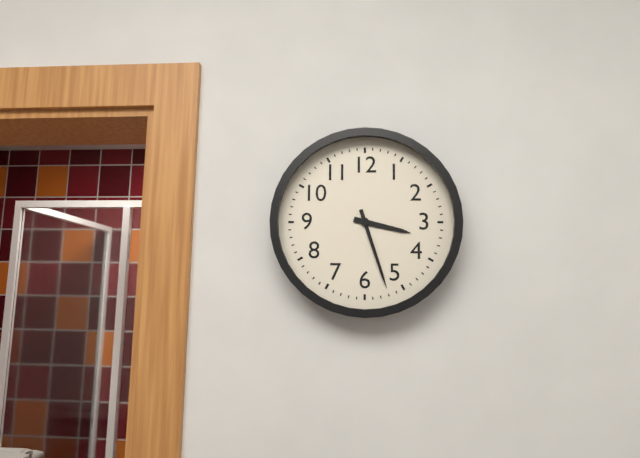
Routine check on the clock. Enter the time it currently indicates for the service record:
3:27
